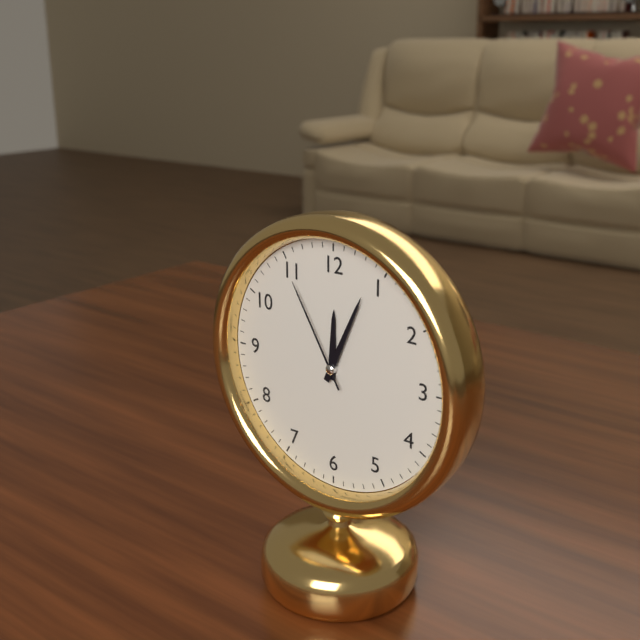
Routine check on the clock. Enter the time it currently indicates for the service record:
12:04:55
